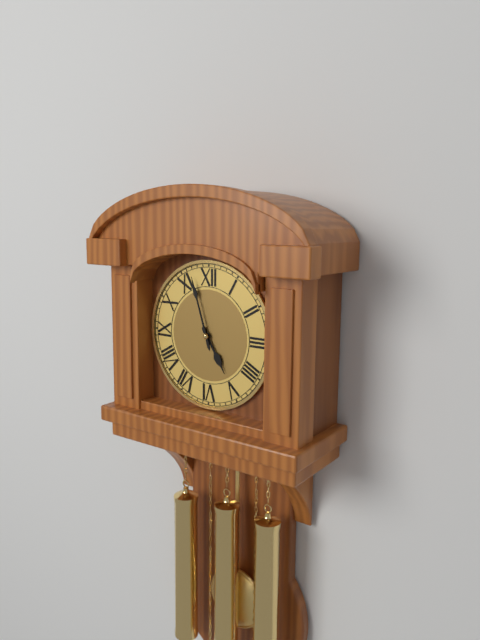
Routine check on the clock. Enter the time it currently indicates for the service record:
4:57
